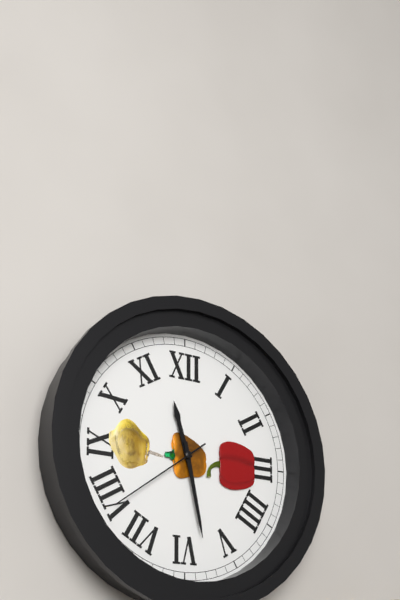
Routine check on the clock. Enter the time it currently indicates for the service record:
11:28:39
